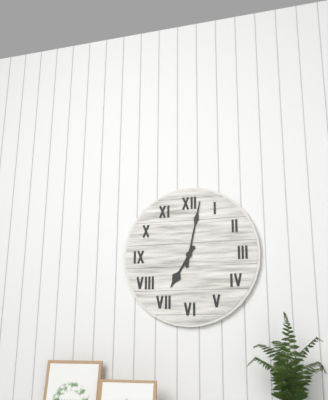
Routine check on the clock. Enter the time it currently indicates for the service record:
7:02
